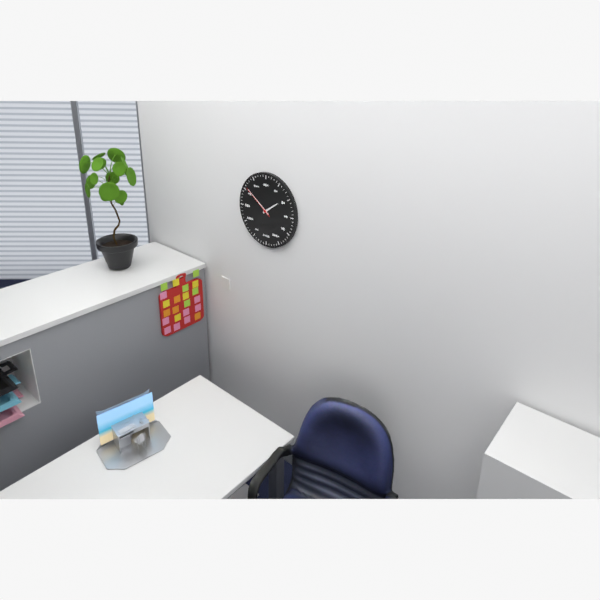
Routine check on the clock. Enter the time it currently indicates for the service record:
1:51
